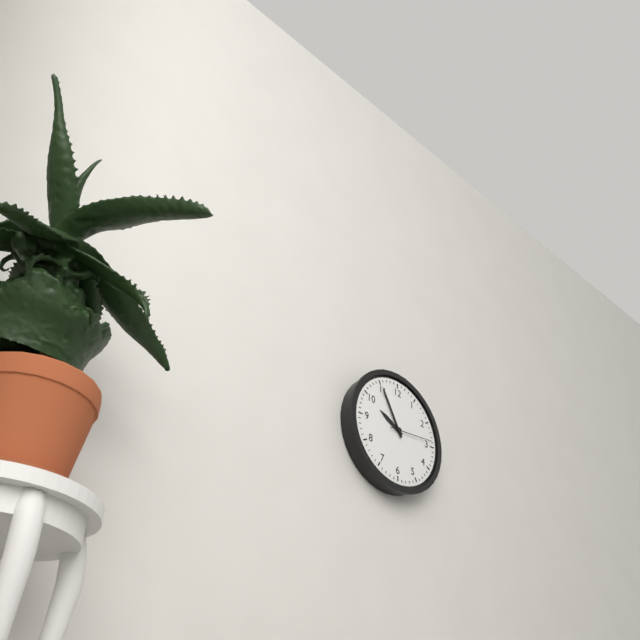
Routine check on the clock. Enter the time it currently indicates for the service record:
9:55
